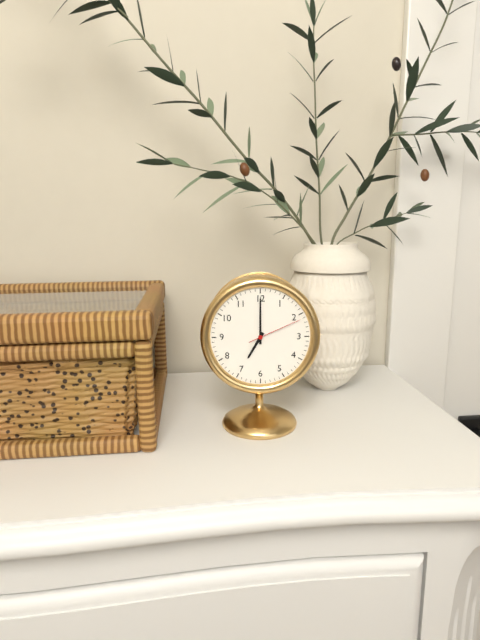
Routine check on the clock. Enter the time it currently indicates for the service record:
7:00:11
